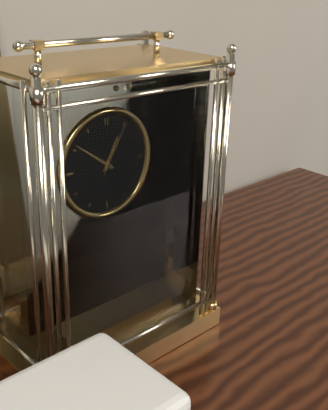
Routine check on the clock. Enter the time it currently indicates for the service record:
12:51:05
